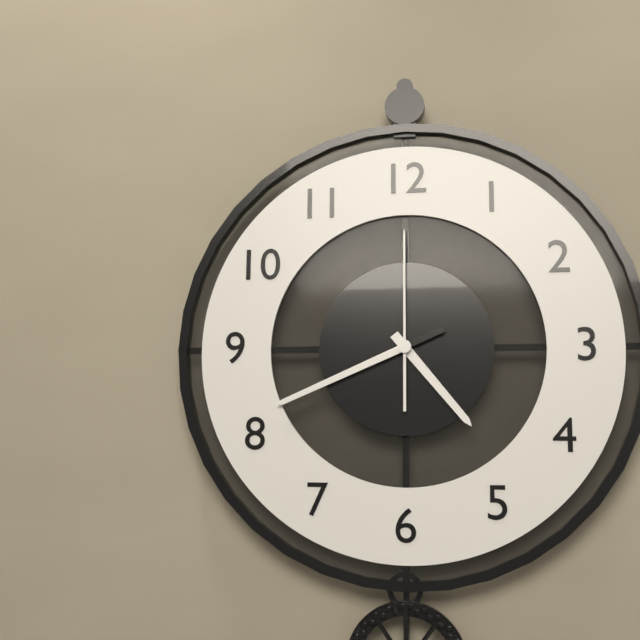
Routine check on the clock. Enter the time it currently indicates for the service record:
4:41:00
